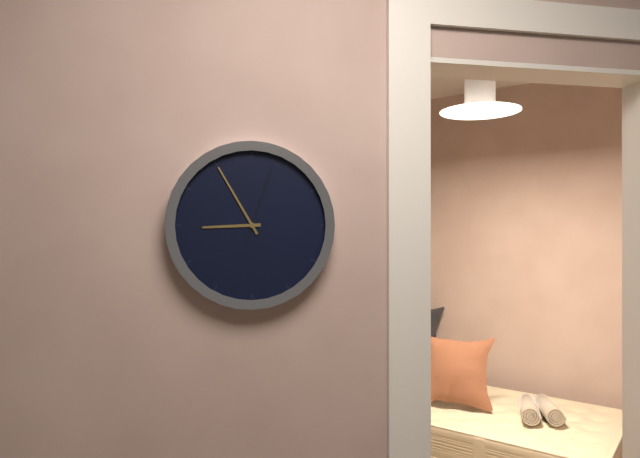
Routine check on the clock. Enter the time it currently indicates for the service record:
8:55:03
